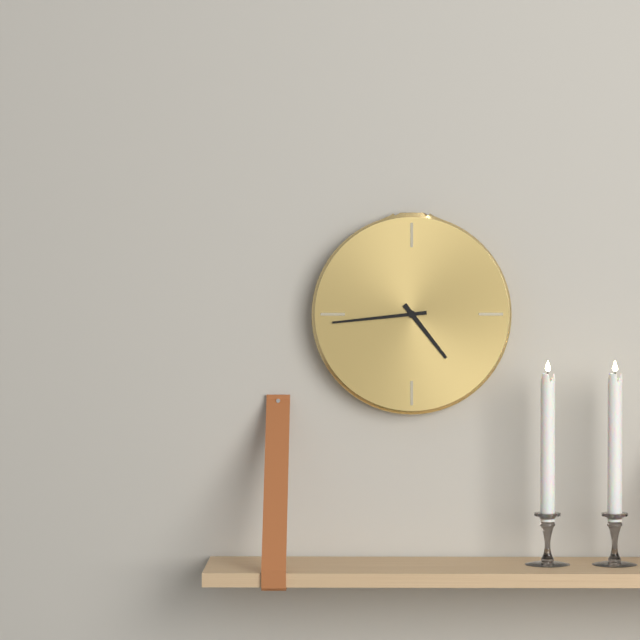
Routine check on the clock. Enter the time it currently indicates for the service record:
4:44
